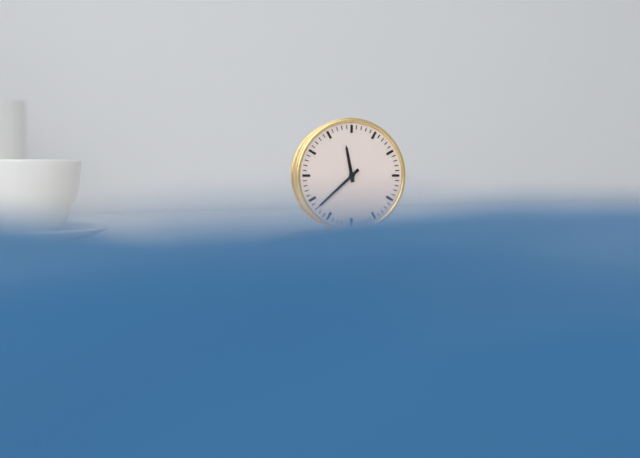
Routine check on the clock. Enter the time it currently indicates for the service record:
11:38
